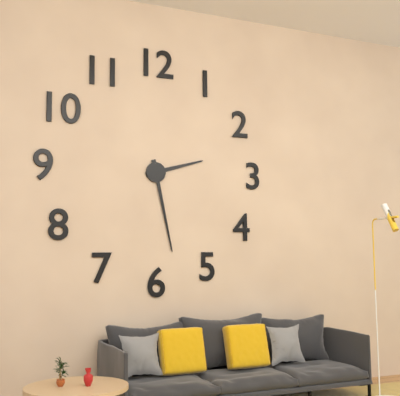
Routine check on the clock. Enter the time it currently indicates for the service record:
2:28
